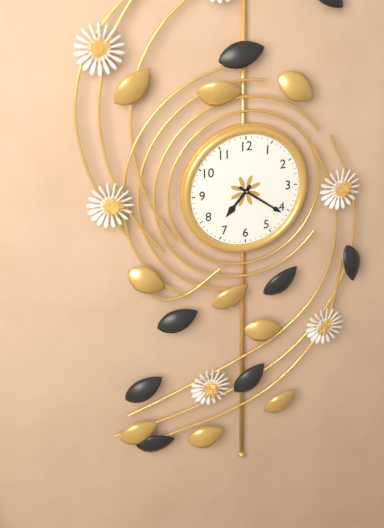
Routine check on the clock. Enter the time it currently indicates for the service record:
7:21
